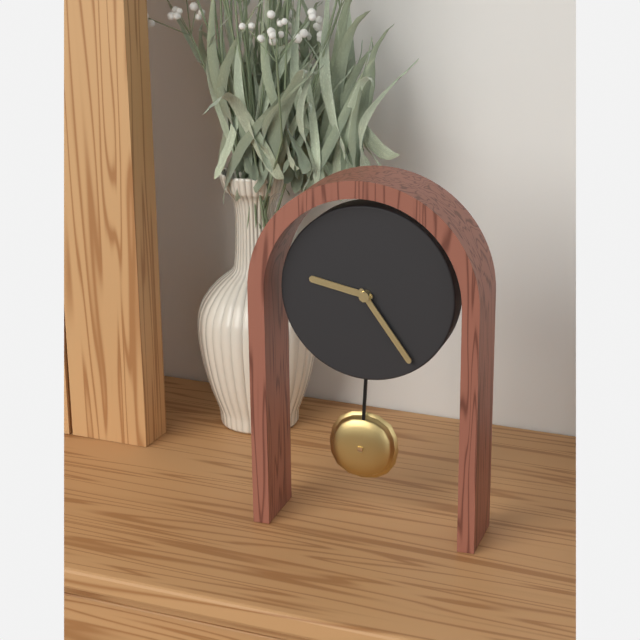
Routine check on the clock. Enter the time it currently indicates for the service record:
9:24
